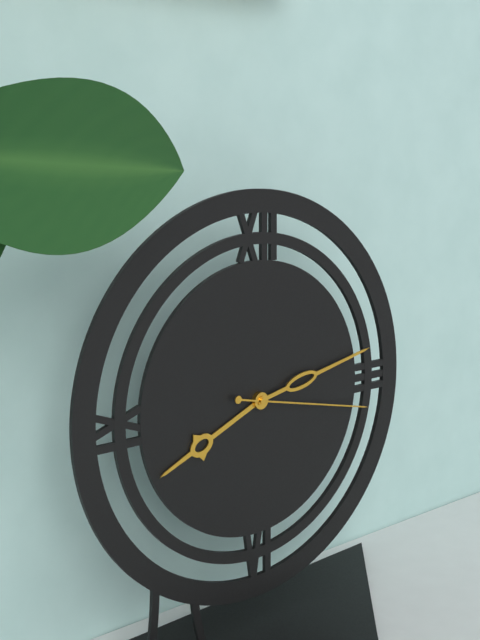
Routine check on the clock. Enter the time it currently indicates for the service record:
8:13:17
